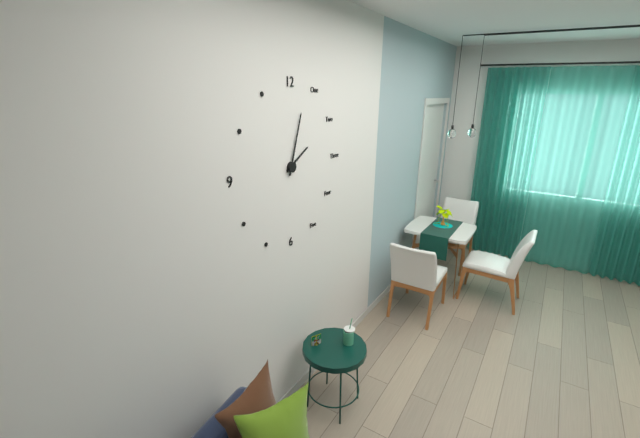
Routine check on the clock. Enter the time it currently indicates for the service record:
2:03
